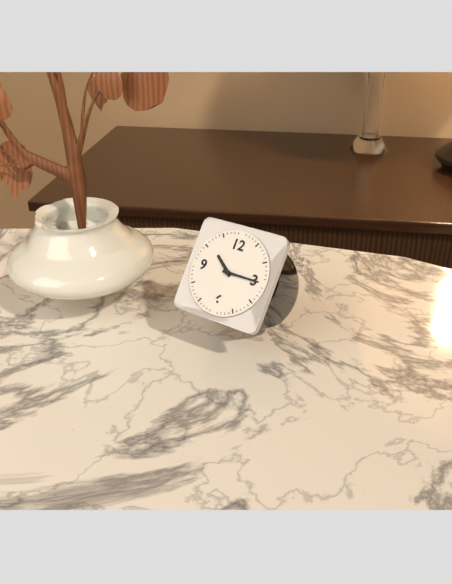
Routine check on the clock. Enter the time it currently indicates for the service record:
10:15
